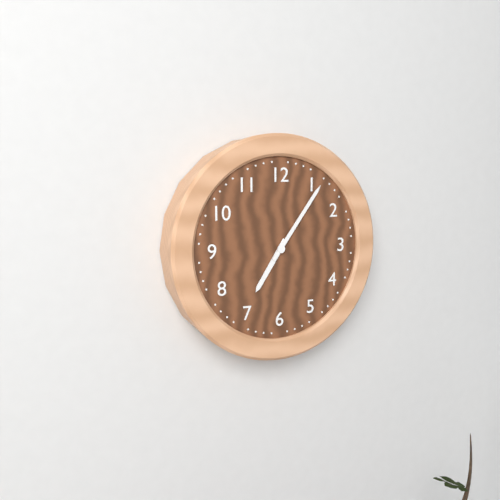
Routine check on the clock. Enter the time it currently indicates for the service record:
7:06
